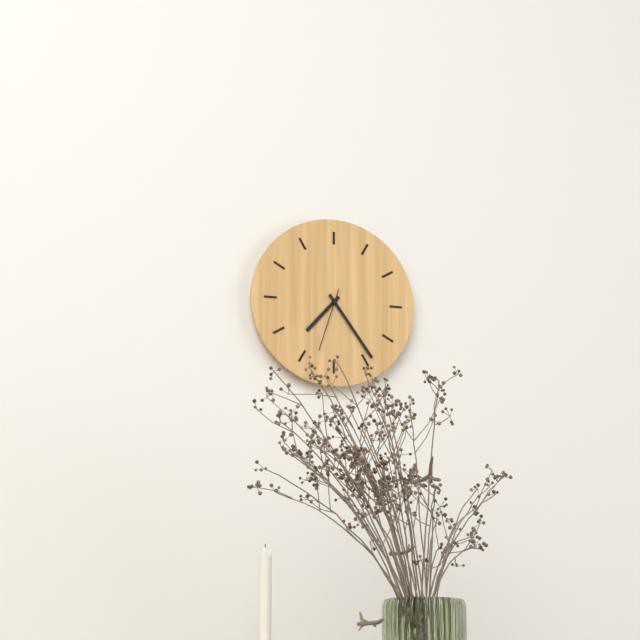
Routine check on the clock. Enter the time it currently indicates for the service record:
7:24:33
